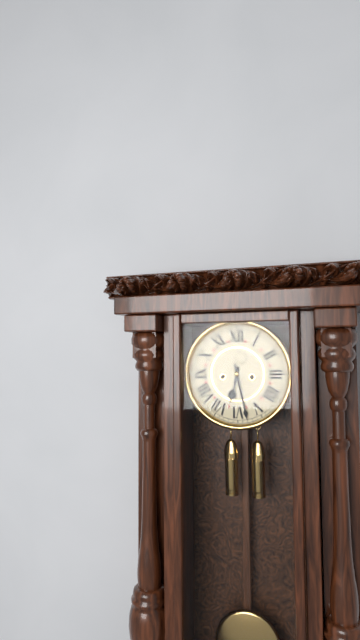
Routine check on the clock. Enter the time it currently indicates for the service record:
6:28
